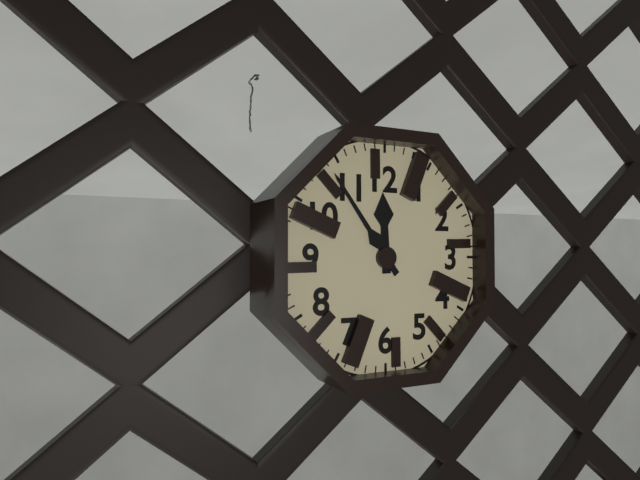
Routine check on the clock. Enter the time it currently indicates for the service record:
11:54
